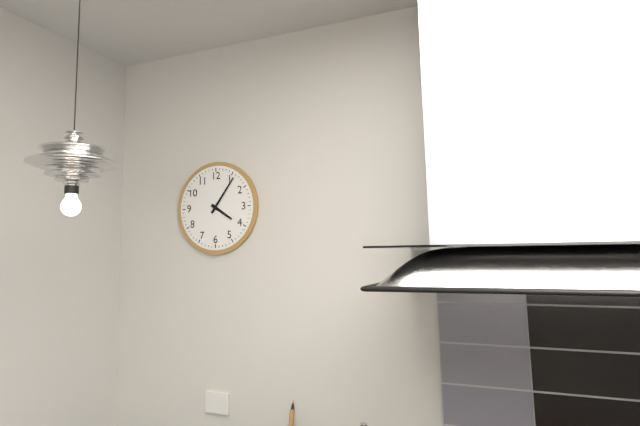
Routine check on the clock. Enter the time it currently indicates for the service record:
4:06
